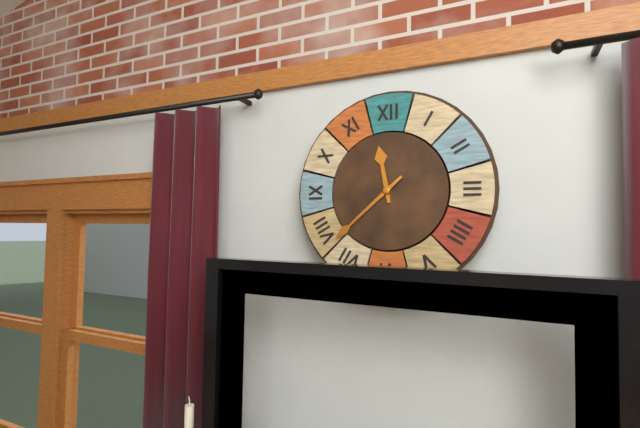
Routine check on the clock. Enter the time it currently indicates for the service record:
11:38
